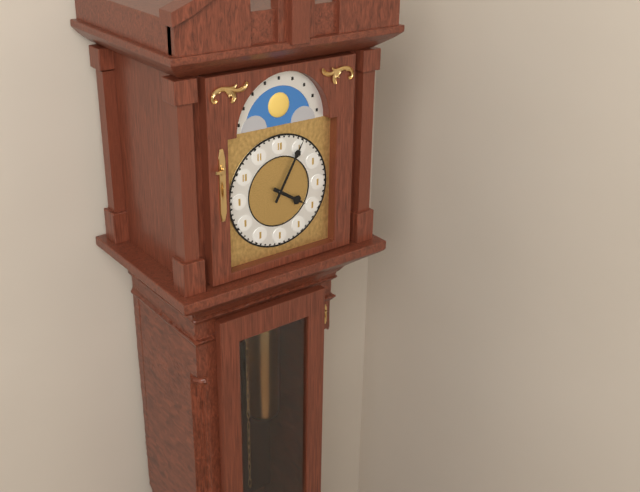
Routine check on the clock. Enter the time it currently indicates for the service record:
4:05
